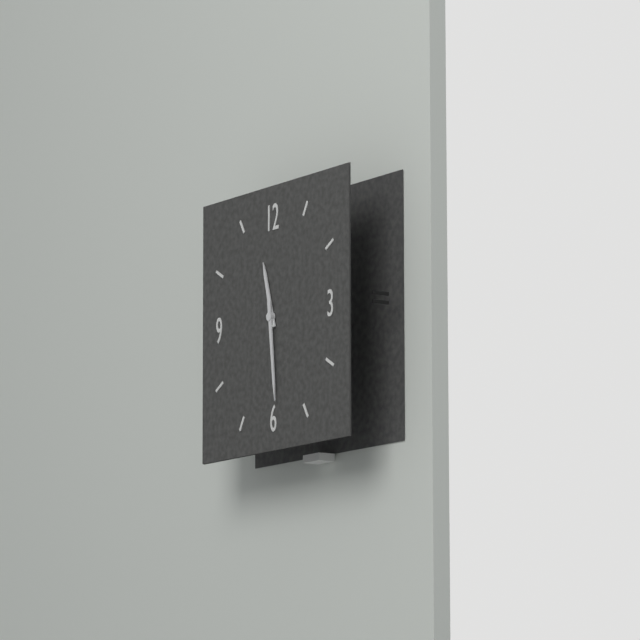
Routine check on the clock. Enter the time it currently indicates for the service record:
11:29
